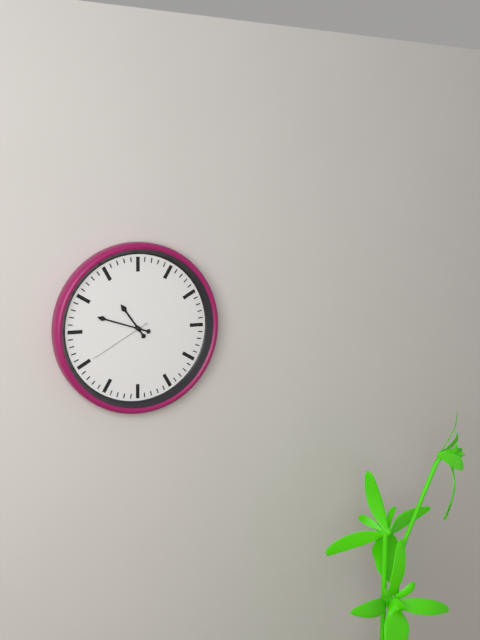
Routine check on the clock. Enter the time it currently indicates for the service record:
10:48:40
